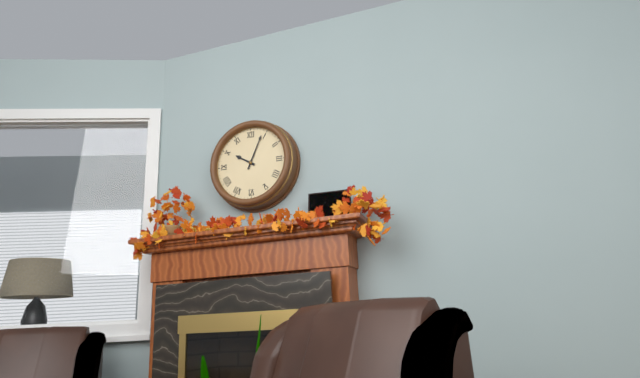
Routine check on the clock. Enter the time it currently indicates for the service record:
10:04
